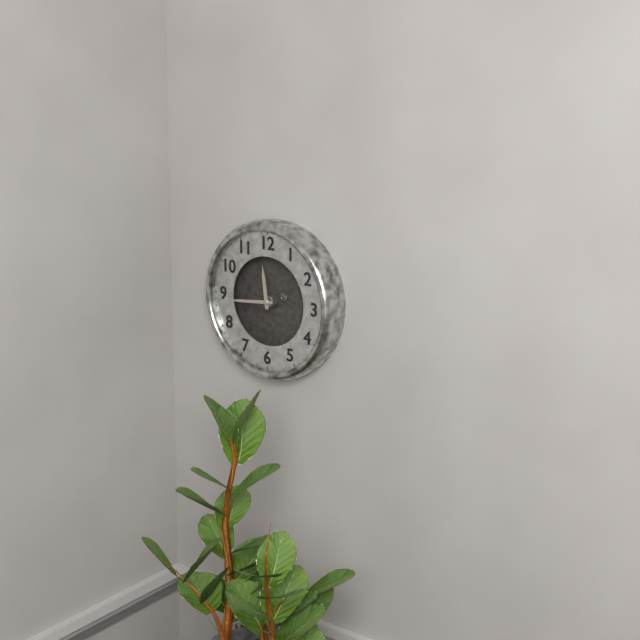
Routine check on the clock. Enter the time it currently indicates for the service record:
11:44
